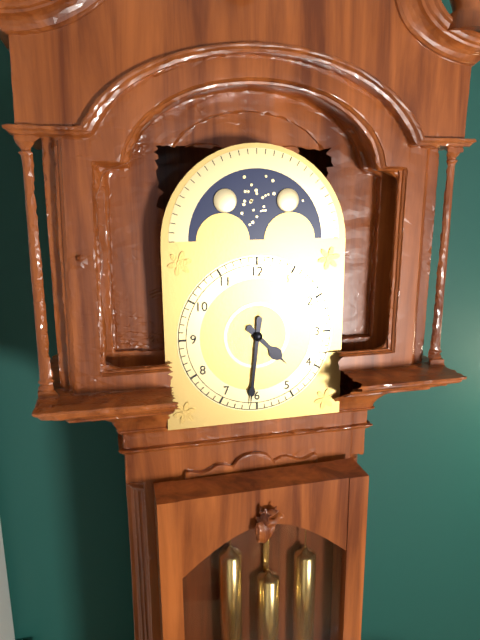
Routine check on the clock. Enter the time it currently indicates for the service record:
4:31
